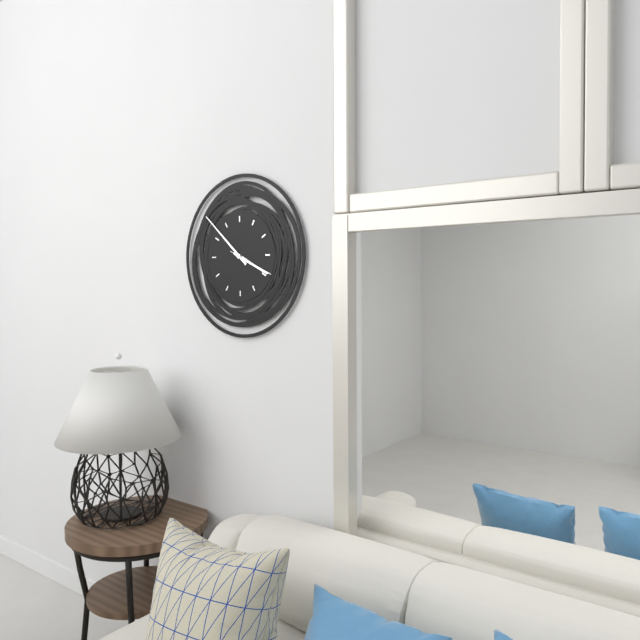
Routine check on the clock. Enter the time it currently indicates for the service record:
3:52
